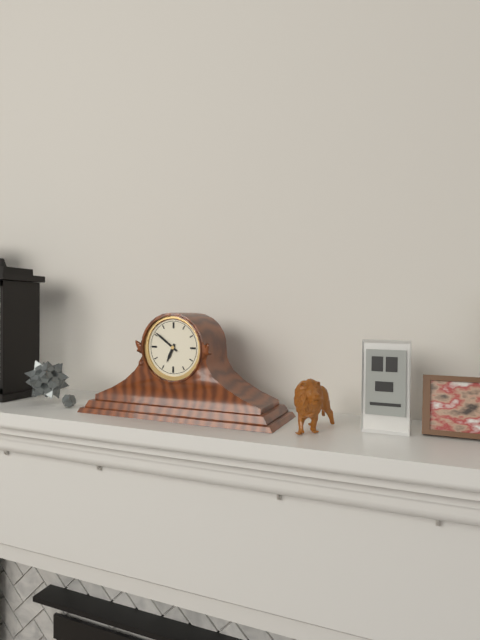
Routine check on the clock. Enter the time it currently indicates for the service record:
6:51
